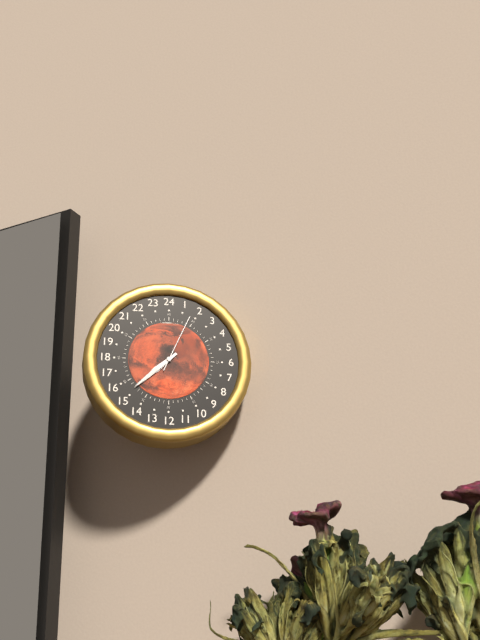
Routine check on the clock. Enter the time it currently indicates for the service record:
7:38:04
